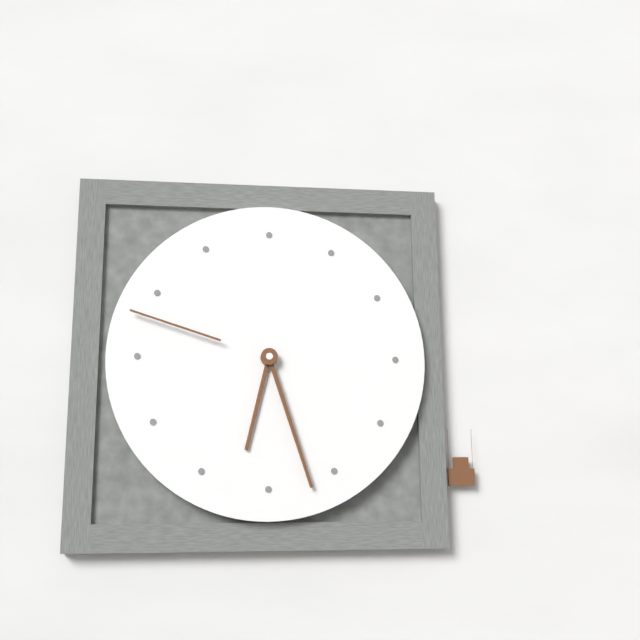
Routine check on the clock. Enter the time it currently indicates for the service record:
6:27:48
